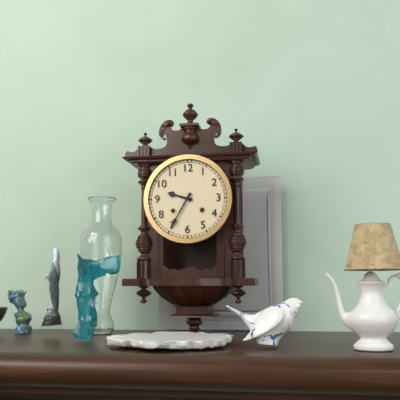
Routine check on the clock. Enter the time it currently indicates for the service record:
9:35
